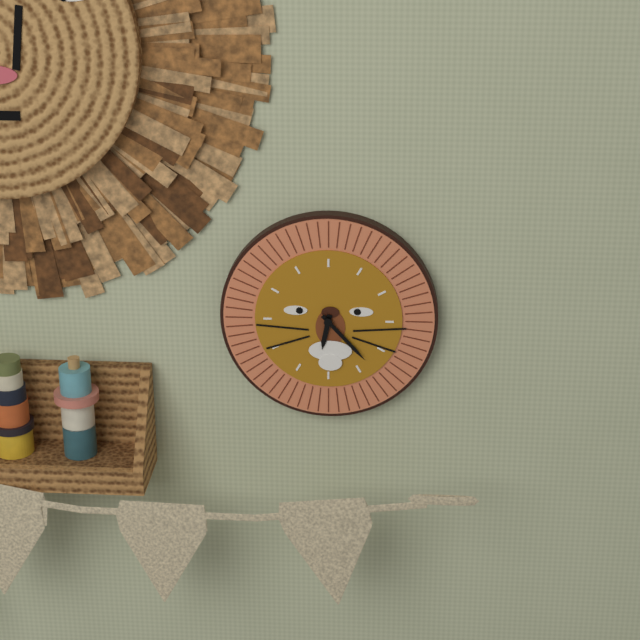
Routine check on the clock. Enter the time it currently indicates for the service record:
6:23
